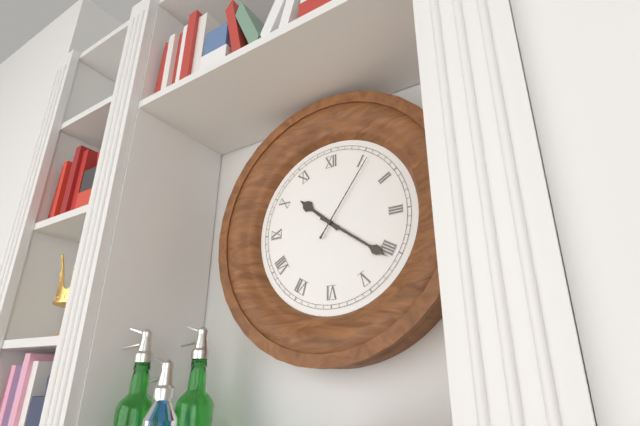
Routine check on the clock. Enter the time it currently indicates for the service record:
10:21:06
